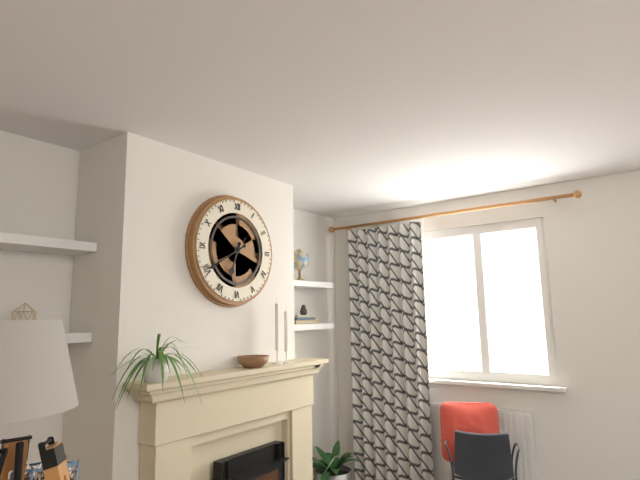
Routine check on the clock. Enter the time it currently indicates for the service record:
6:40
